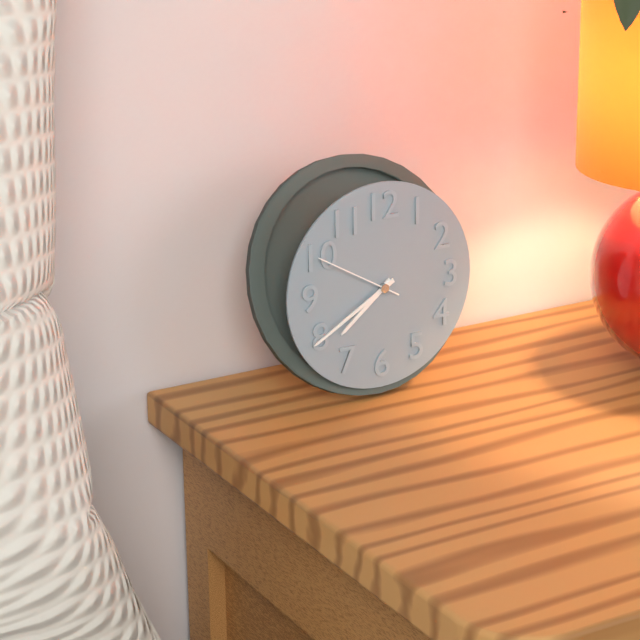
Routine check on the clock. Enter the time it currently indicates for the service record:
7:40:50
